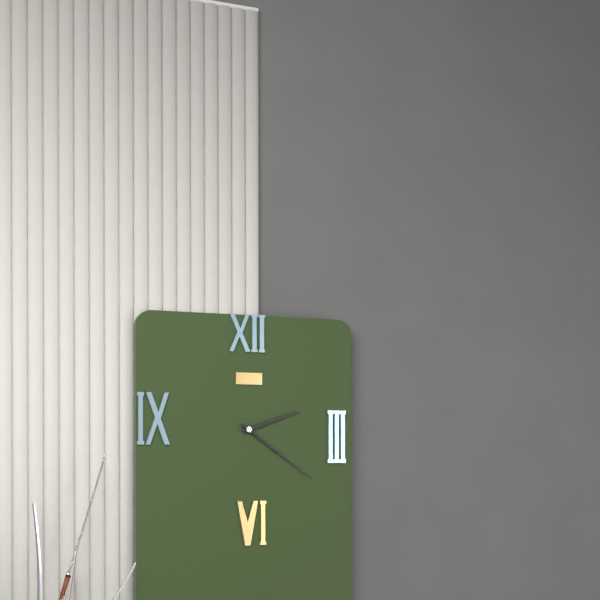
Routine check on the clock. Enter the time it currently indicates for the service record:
2:21
